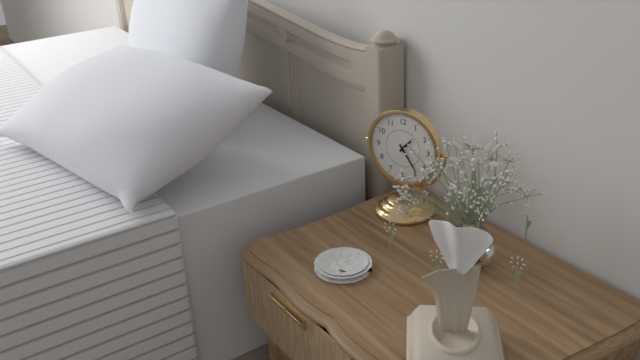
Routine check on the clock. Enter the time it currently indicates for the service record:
1:24
